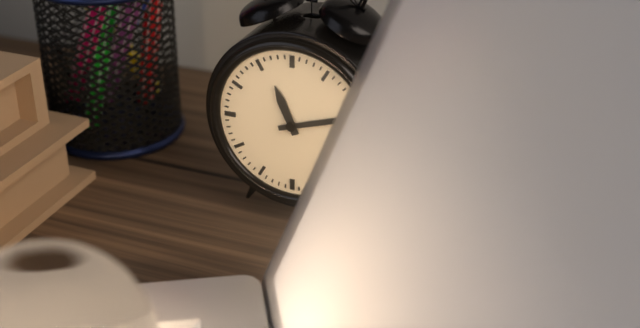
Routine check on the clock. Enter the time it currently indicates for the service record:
11:12
